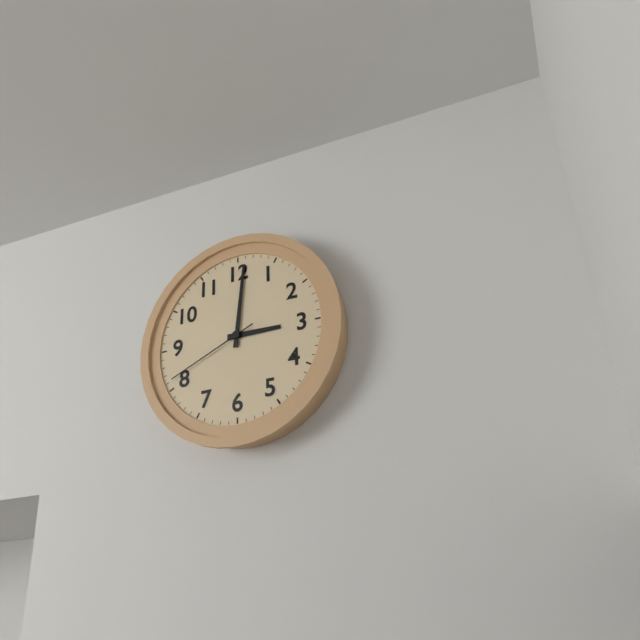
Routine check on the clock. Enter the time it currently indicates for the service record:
3:01:41
